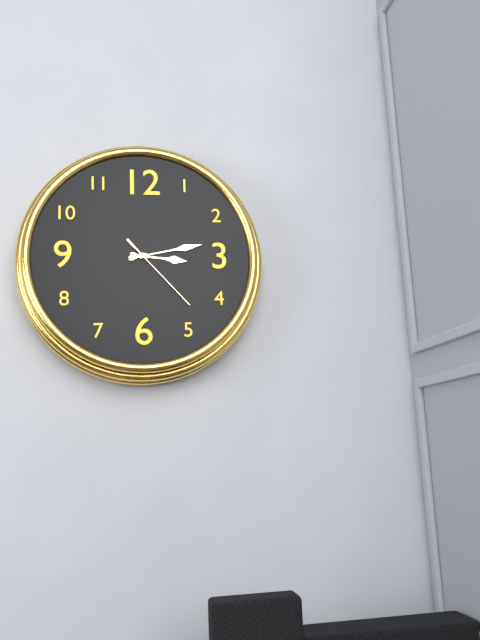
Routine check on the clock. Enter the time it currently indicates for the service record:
3:13:23
